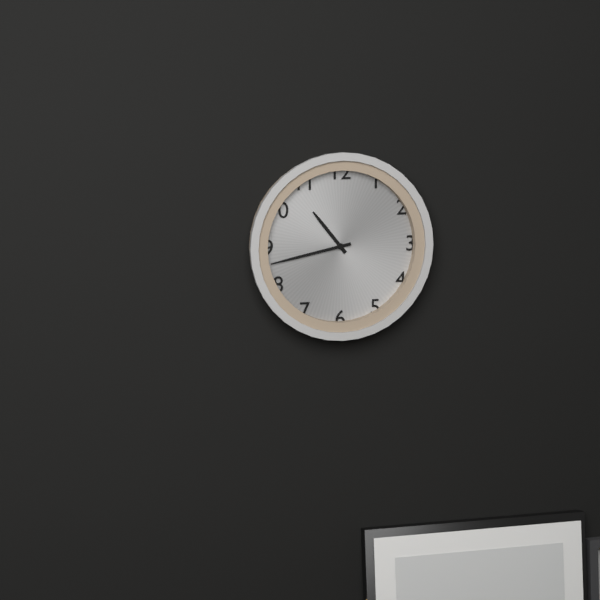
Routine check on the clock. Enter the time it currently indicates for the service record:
10:43
